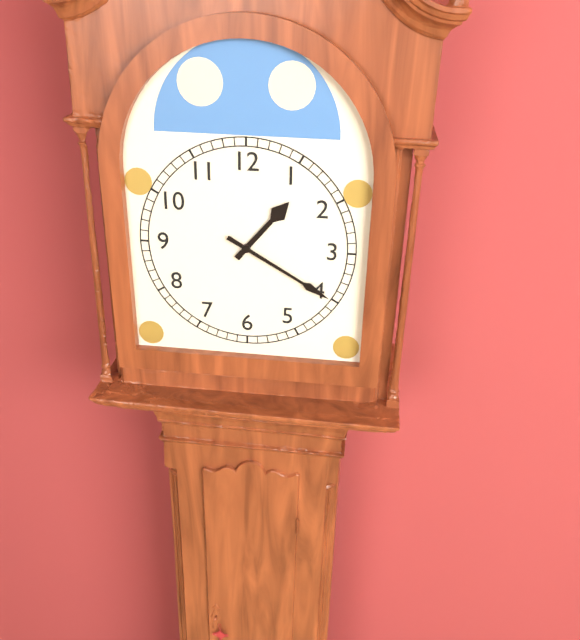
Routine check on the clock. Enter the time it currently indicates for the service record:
1:20
